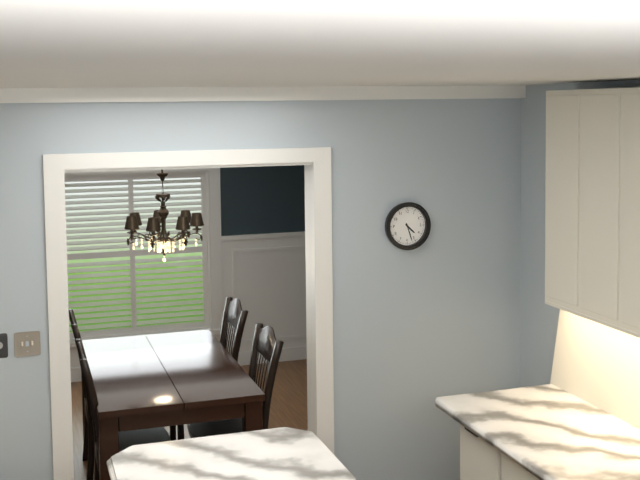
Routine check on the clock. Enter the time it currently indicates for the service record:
4:27
